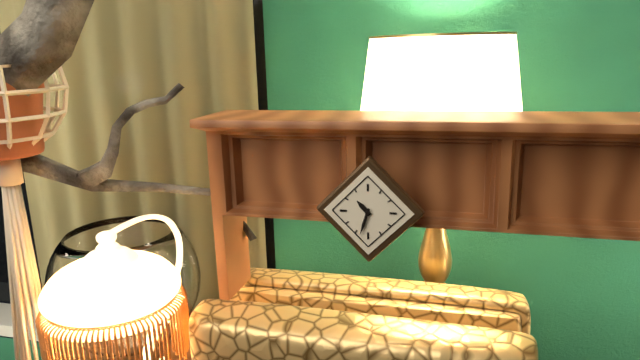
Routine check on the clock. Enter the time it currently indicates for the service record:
10:33
